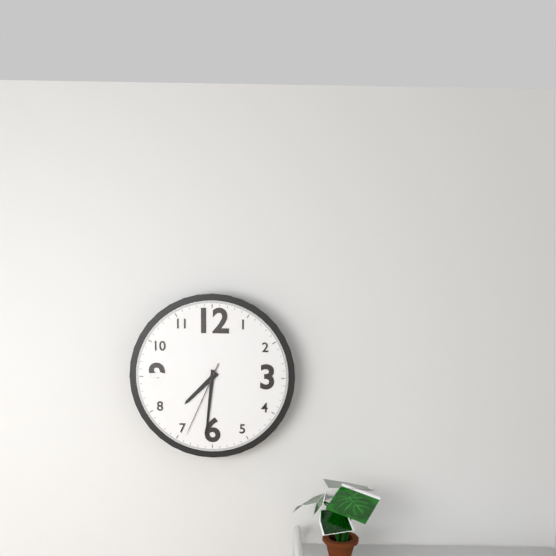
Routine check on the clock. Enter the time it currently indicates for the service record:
7:31:34
